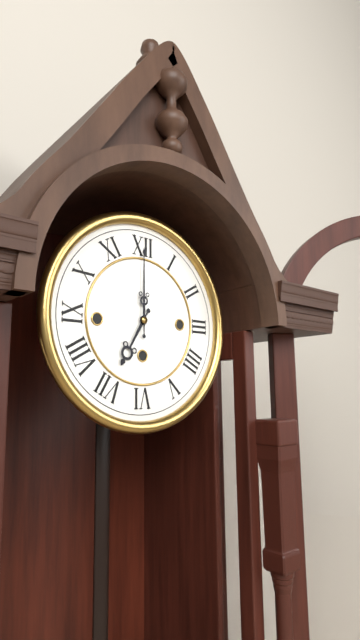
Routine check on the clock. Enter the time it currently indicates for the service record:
7:00
